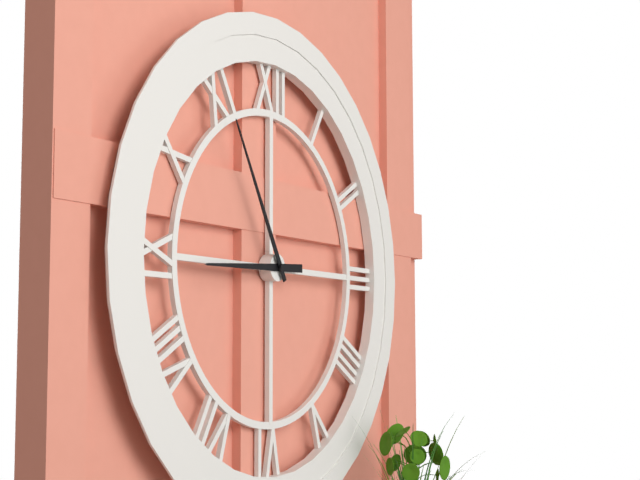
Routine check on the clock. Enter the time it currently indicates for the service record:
8:55
